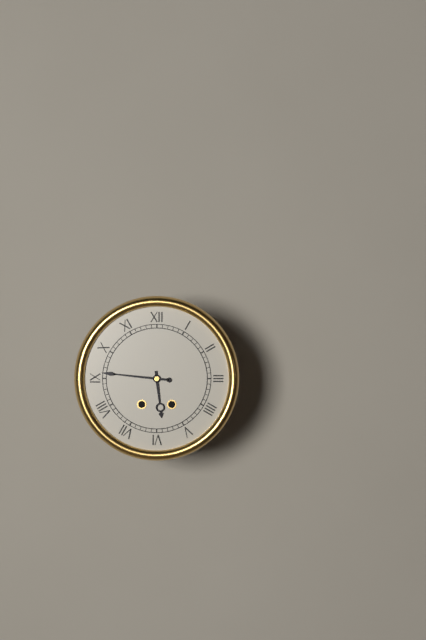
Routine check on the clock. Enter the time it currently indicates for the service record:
5:46
